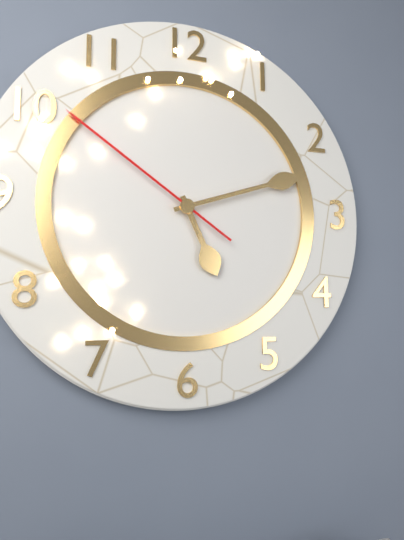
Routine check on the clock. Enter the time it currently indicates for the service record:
5:12:51
